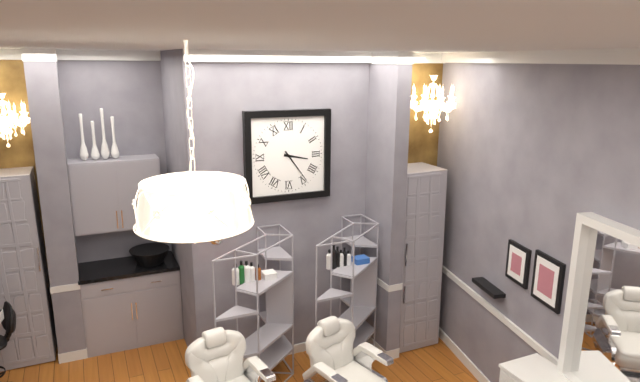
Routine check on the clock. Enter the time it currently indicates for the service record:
3:24
